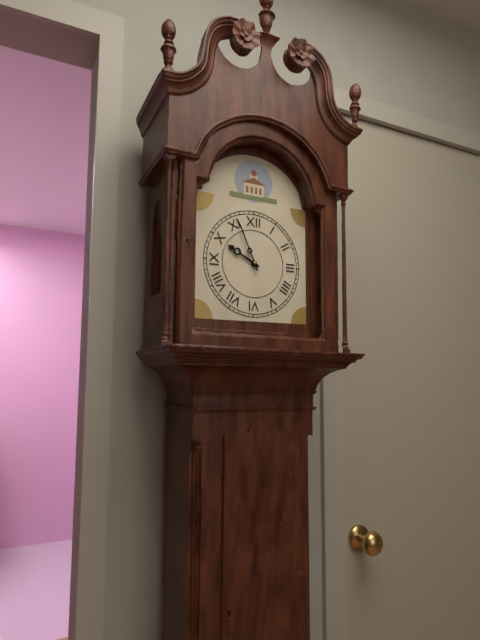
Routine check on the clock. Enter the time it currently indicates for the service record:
9:56
